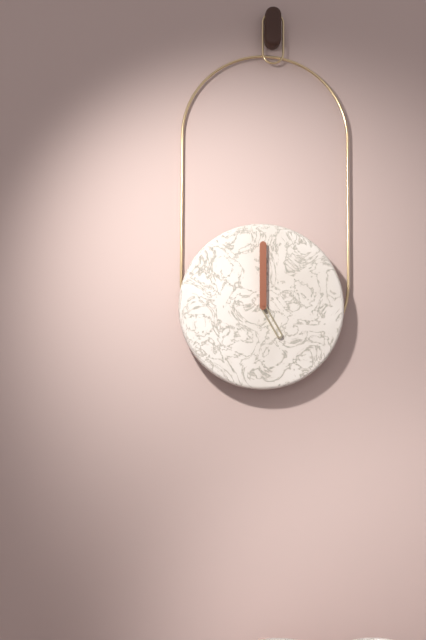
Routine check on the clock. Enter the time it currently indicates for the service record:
5:00
